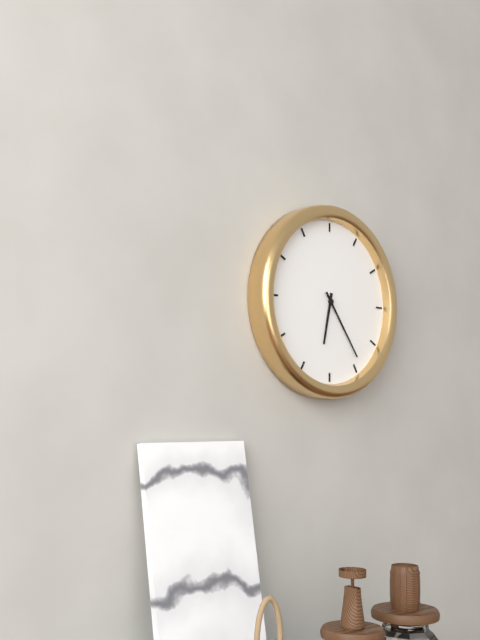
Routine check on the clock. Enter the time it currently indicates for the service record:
6:24
